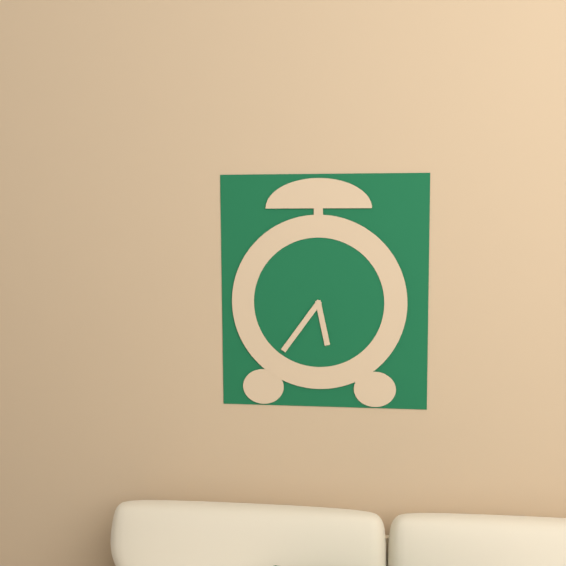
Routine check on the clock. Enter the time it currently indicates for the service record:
5:36
